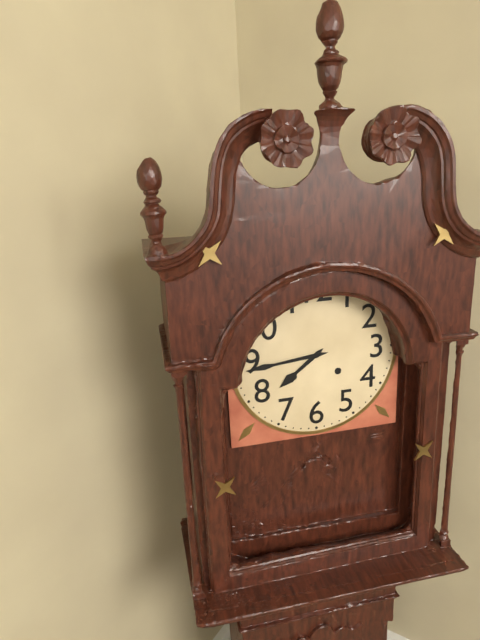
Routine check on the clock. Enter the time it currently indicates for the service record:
7:44
